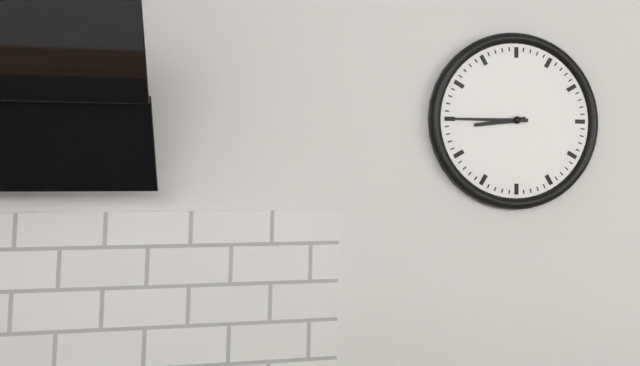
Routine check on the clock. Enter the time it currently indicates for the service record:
8:45
